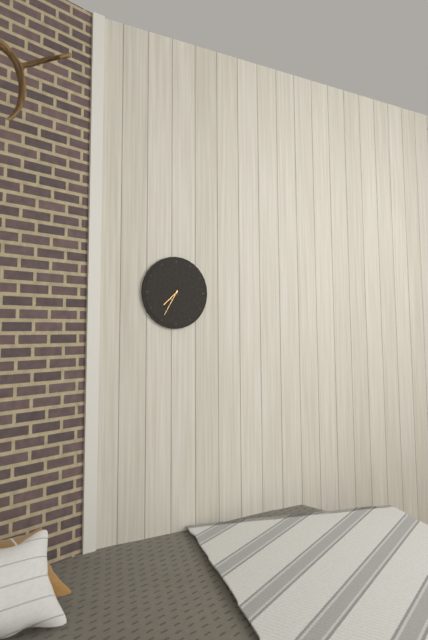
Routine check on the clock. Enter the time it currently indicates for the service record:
7:35
